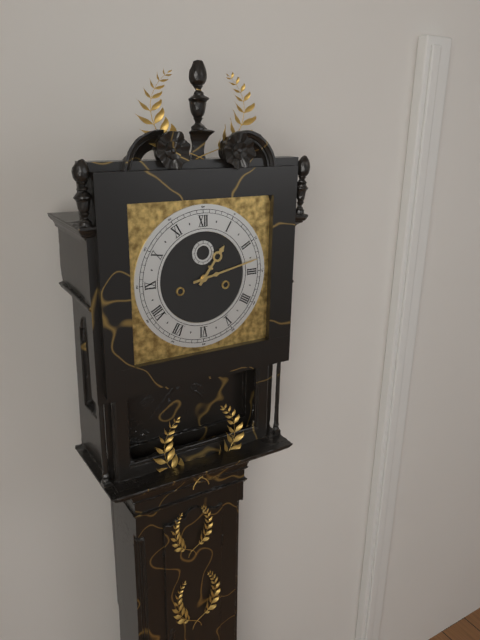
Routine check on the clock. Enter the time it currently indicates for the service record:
1:13
